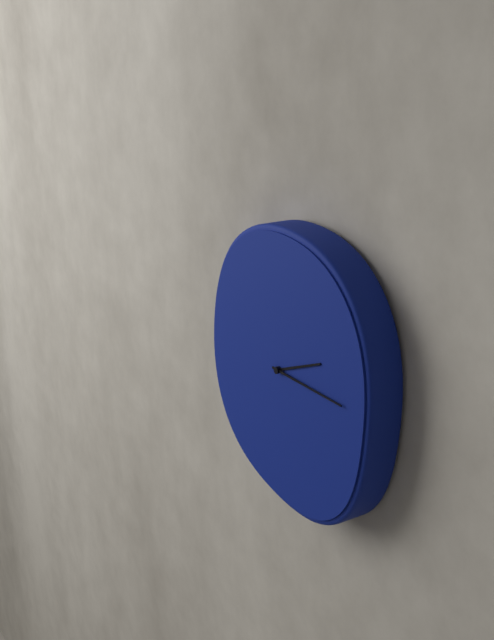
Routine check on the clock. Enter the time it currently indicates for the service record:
2:15
